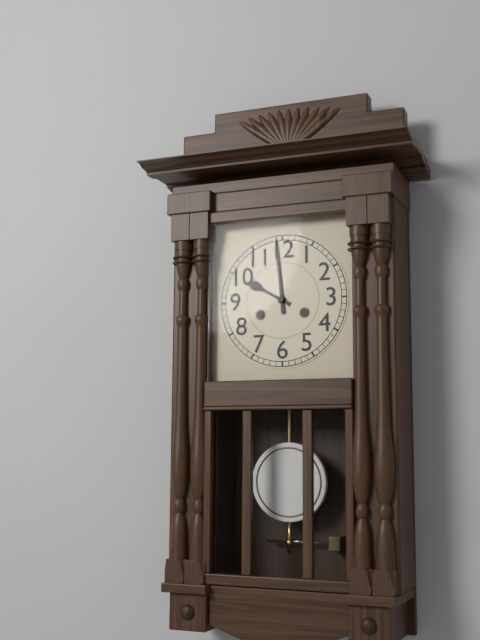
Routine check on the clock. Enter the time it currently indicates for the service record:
9:59
